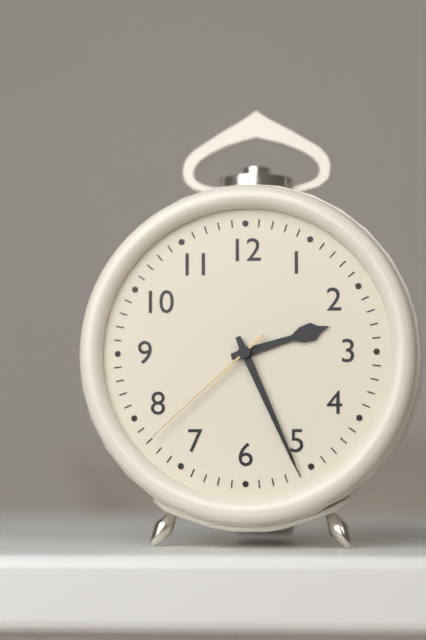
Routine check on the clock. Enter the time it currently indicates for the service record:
2:26:38
